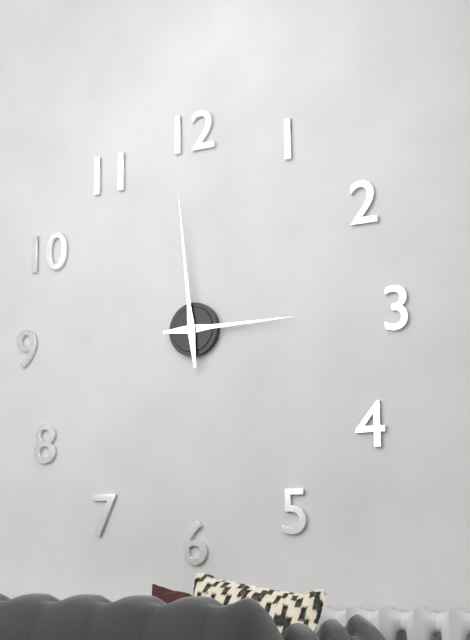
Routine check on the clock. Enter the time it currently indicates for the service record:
2:59
